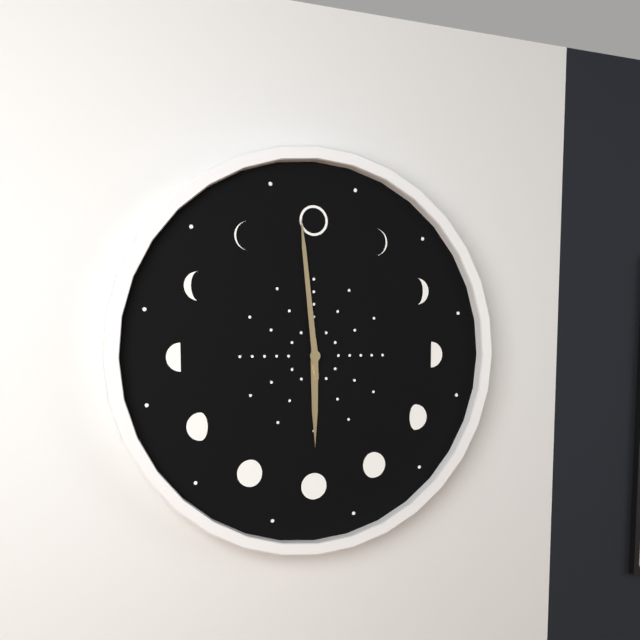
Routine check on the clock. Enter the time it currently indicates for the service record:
5:59
